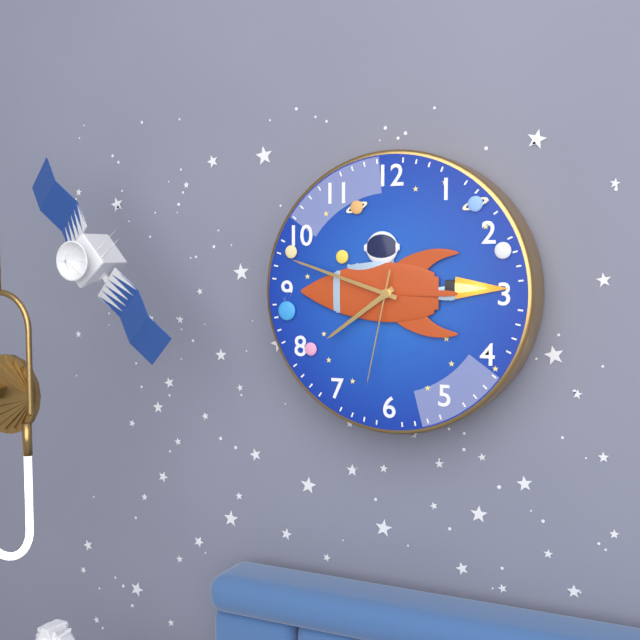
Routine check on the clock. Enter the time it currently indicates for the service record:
7:48:32
